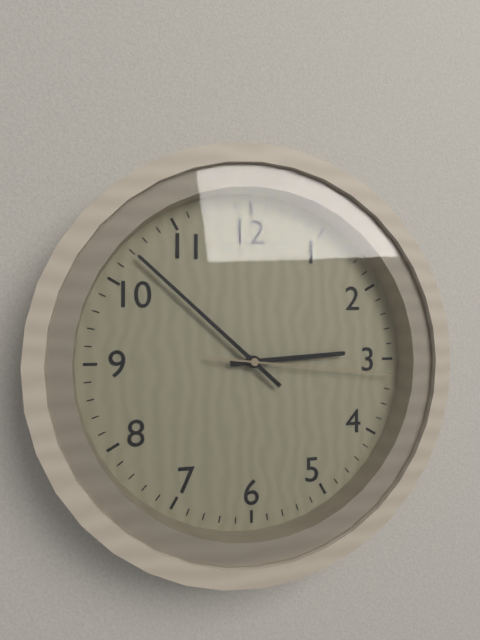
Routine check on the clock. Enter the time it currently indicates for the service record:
2:52:16
